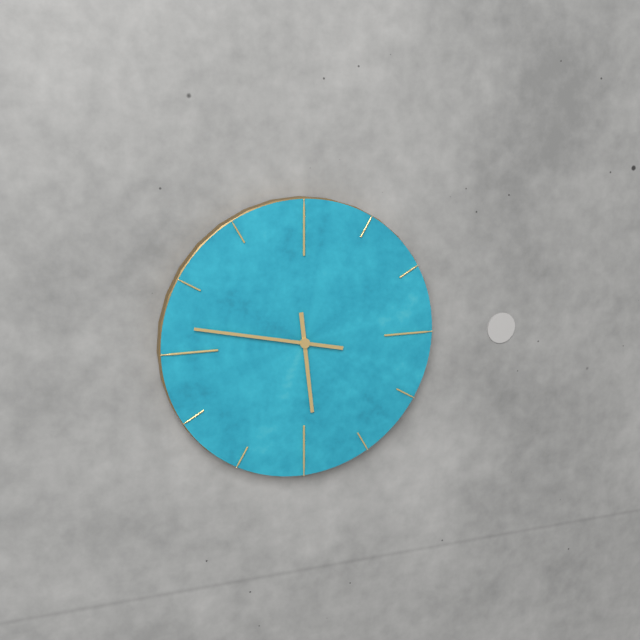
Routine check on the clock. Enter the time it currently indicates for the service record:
5:47
